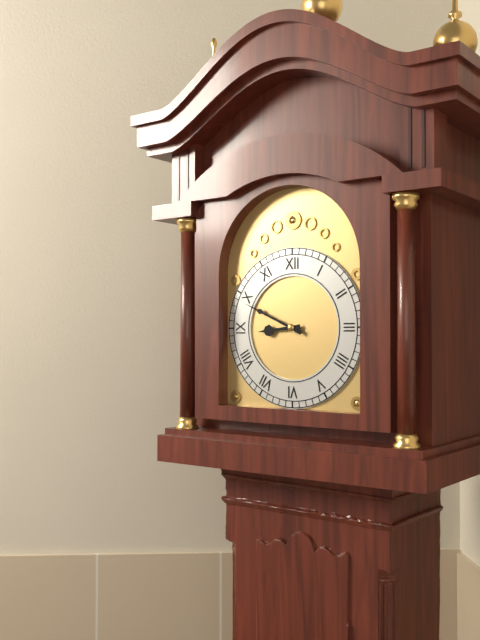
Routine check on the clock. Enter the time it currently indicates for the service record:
8:49
